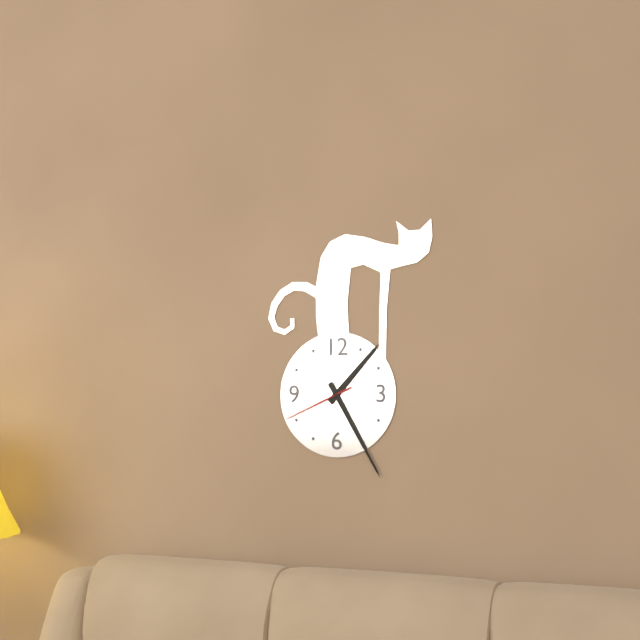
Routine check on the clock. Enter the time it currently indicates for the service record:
1:25:41
